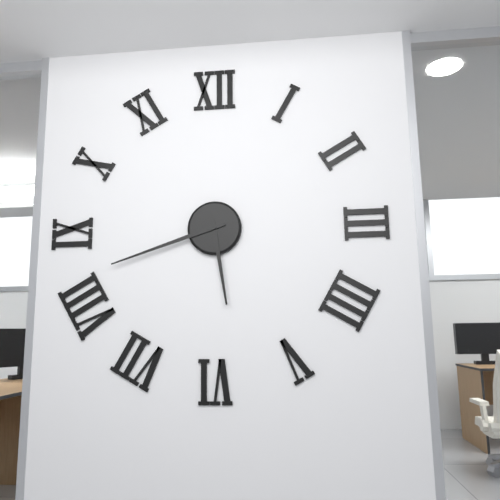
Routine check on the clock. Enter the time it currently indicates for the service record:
5:42
